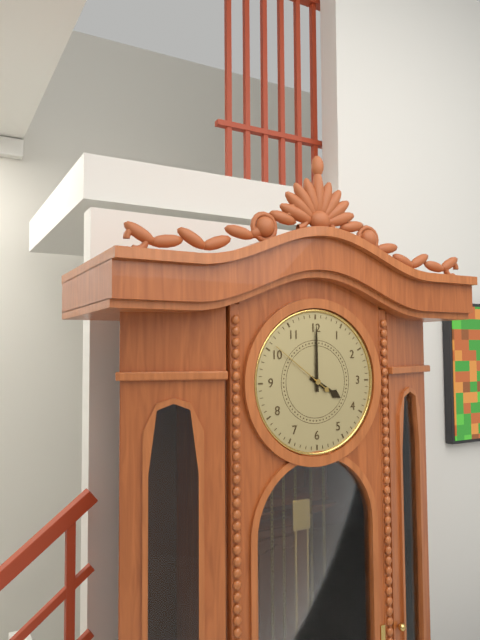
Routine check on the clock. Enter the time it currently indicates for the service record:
4:00:51
